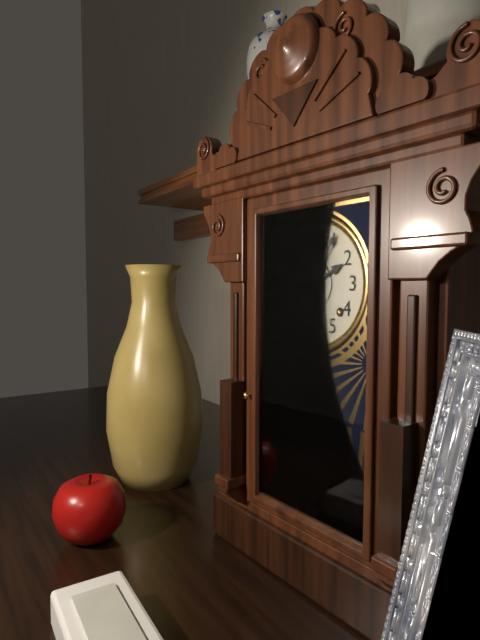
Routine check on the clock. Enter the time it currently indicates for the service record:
2:05
